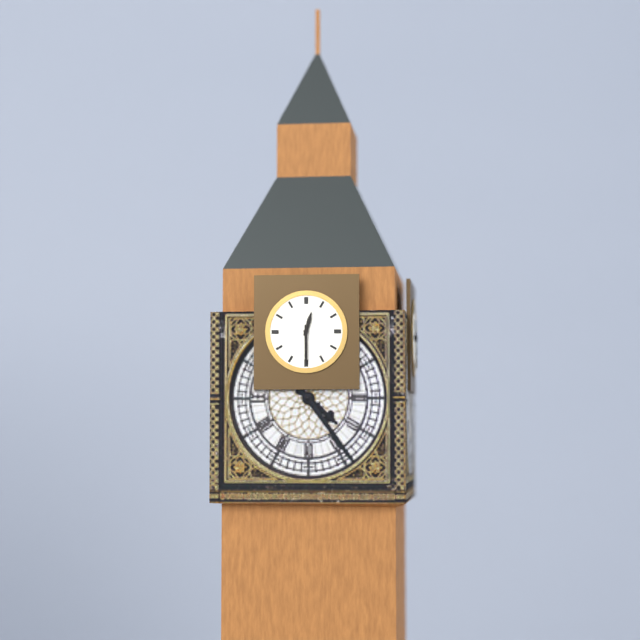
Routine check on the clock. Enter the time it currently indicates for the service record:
12:30
